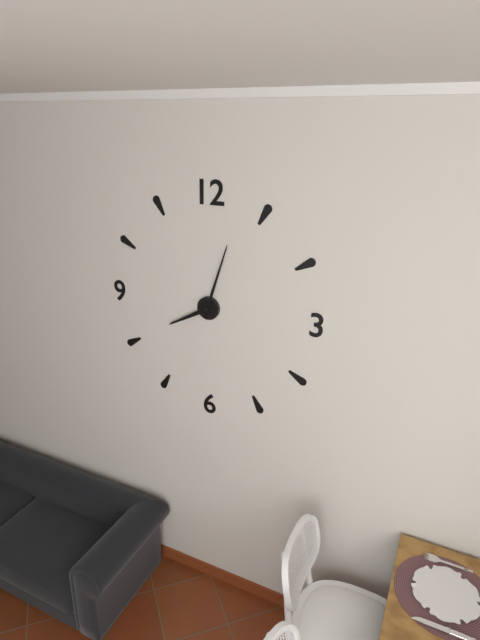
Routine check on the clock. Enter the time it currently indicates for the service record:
8:03
